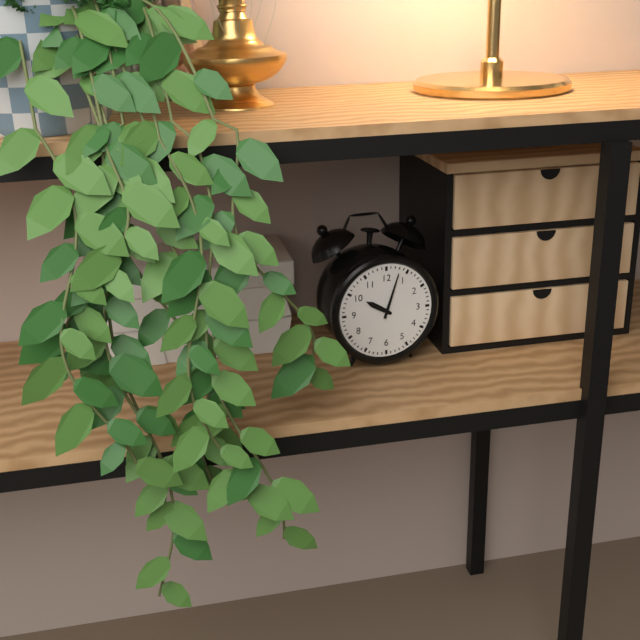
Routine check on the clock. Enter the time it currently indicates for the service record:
10:03
